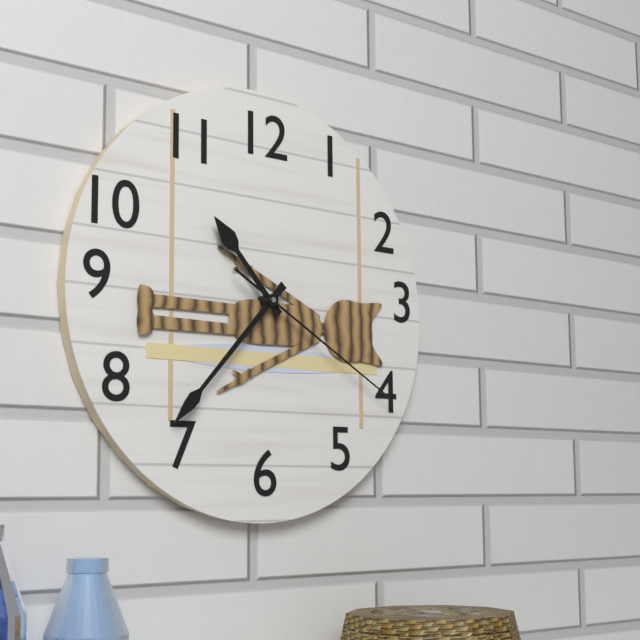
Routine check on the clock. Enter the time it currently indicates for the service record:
10:37:20
